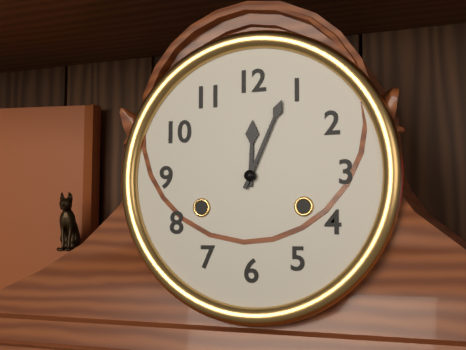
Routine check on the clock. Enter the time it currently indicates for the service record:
12:04
